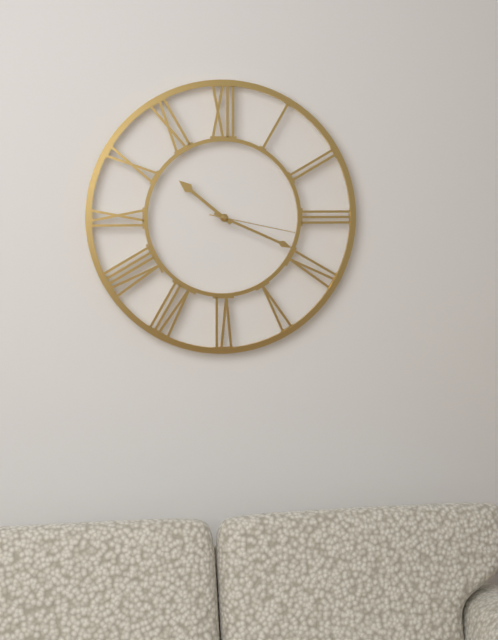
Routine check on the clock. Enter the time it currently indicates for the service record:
10:19:17
